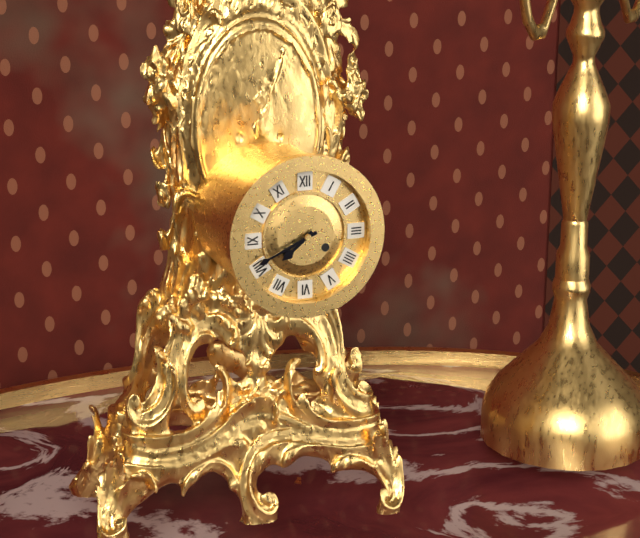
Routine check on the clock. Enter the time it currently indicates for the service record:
7:41
